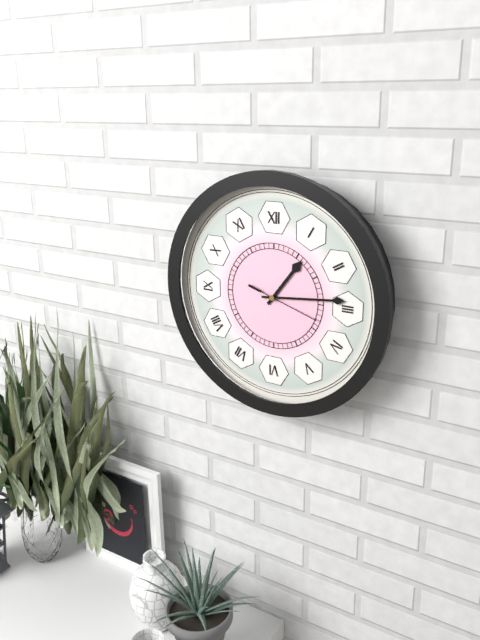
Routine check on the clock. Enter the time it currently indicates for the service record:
1:14:18
